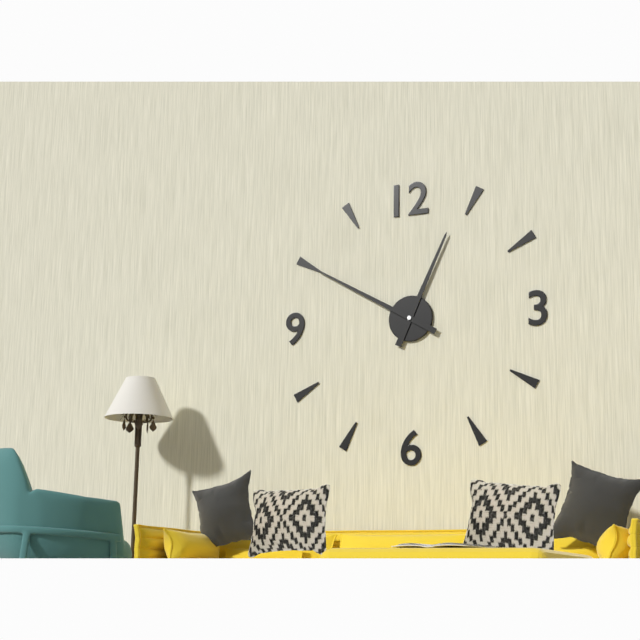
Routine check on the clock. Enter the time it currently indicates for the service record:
12:50
